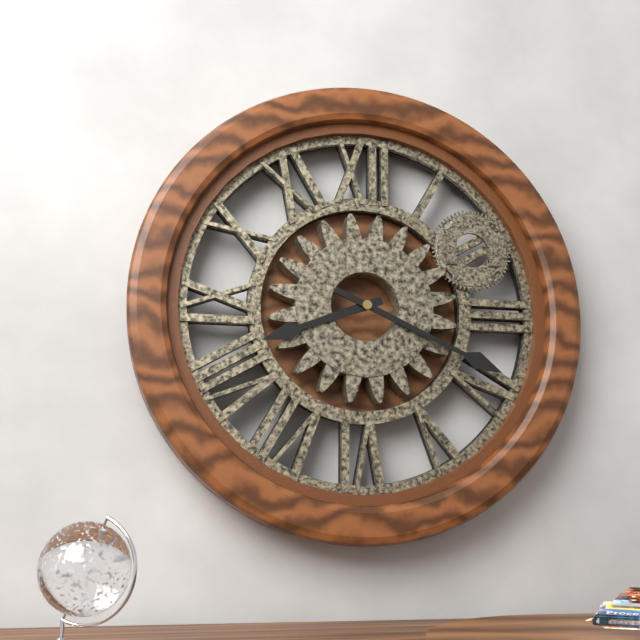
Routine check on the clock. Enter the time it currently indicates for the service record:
8:19
